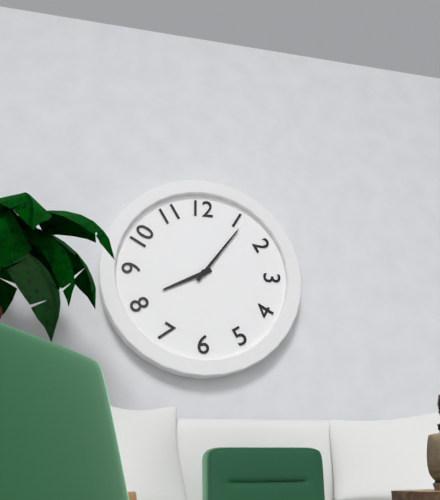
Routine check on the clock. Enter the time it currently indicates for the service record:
8:06
